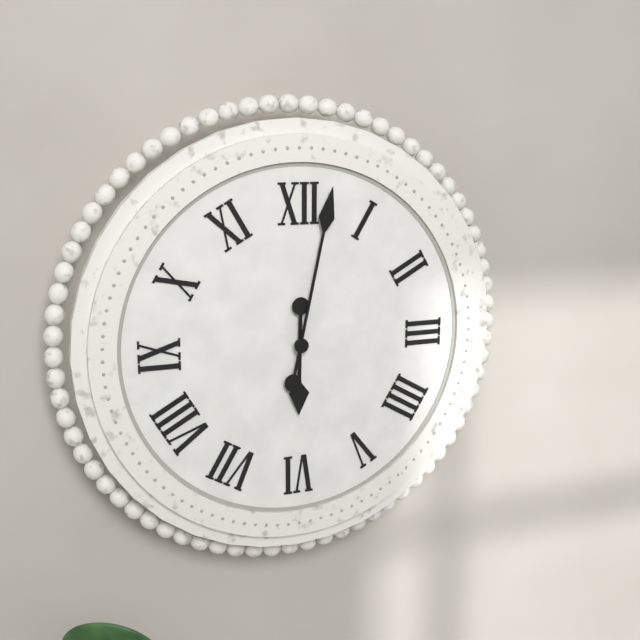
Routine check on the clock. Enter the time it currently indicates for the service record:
6:02
